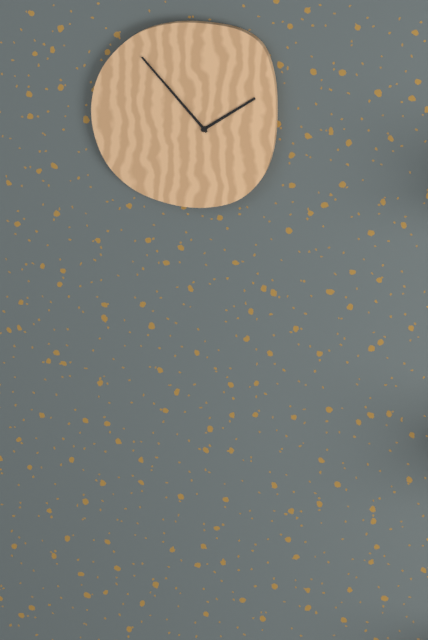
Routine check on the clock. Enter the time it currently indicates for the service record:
1:53
